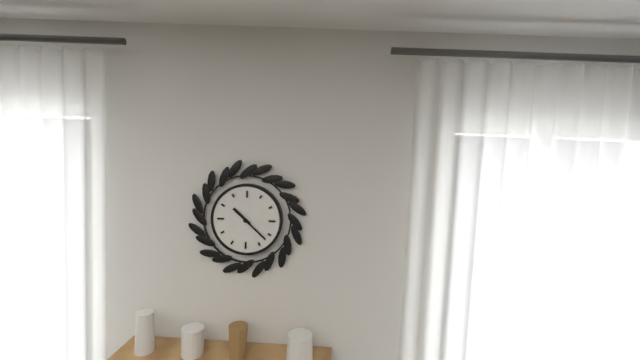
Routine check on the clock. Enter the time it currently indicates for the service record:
10:22
